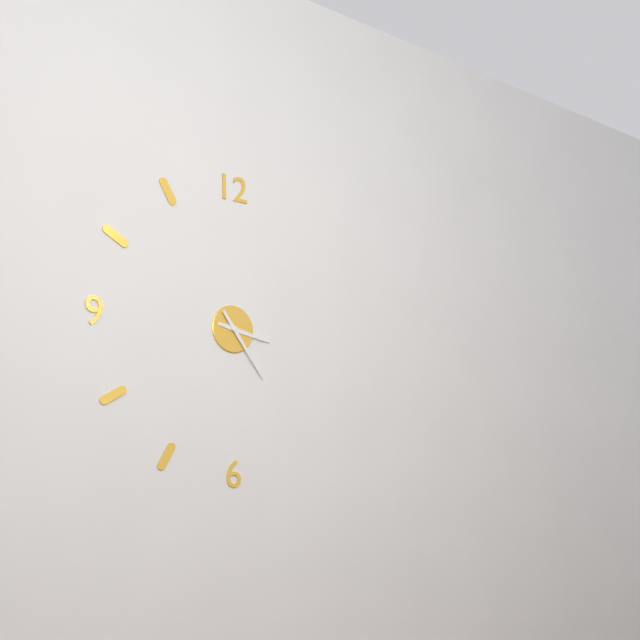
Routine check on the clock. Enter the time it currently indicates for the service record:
3:24
